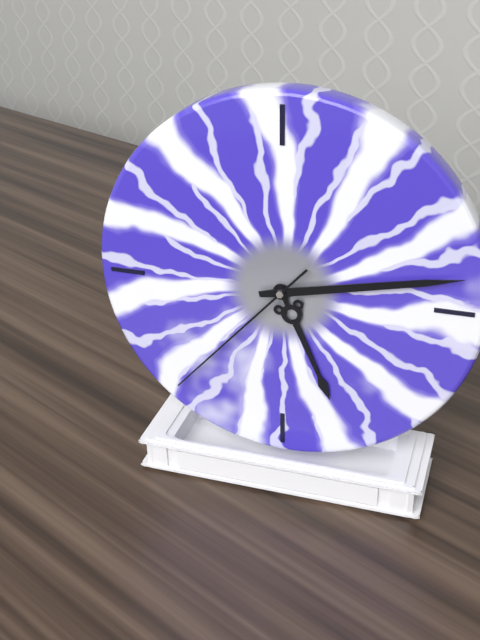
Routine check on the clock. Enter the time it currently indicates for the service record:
5:13:37
